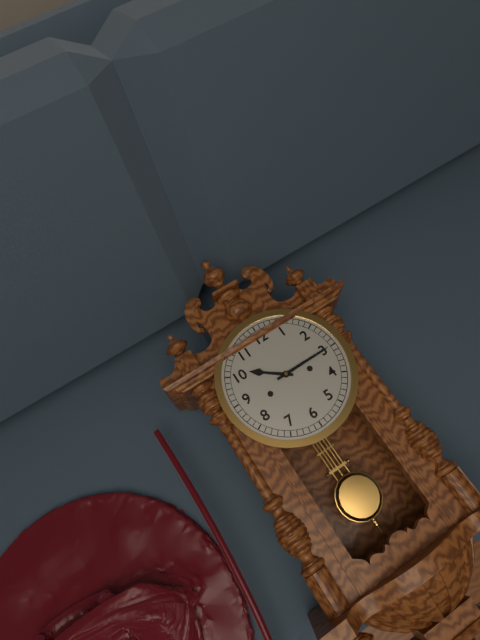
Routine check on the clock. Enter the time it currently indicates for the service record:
10:15
